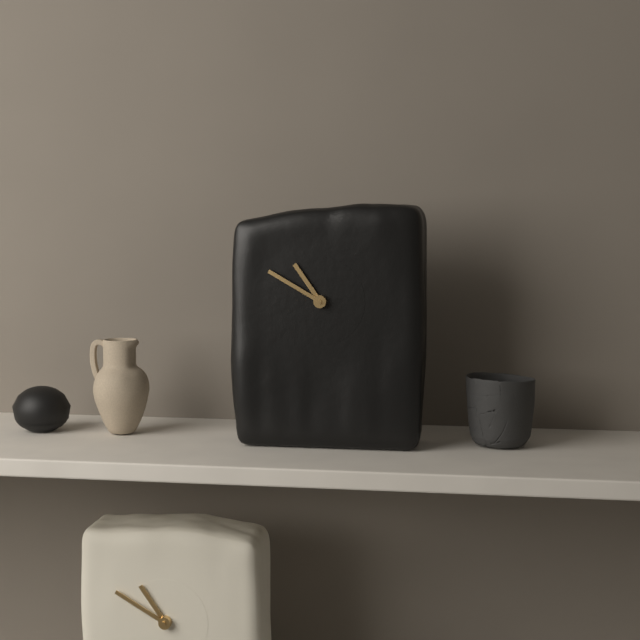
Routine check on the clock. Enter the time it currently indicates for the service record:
10:50
